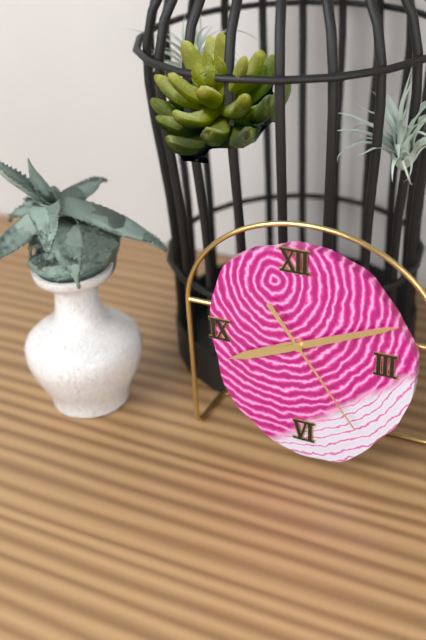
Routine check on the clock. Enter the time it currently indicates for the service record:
8:11:24
